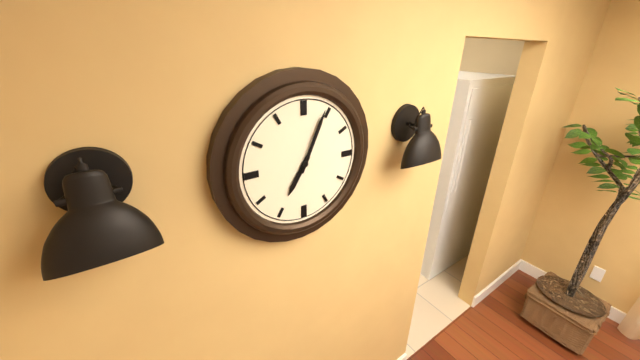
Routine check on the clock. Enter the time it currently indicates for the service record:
7:04
